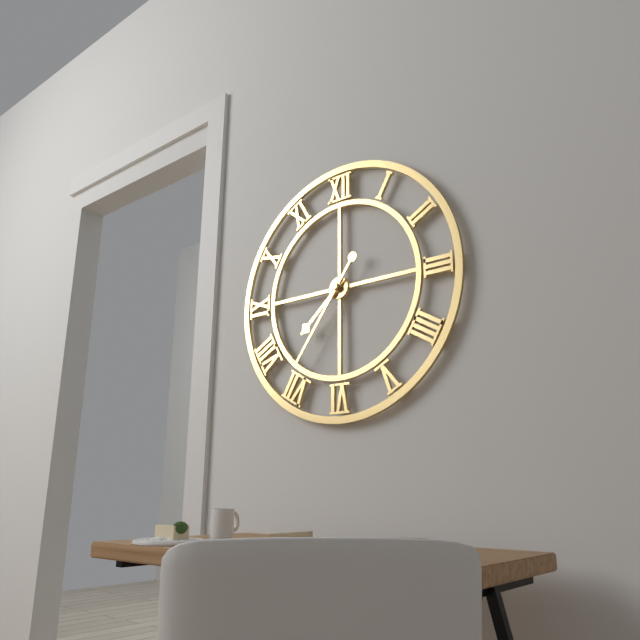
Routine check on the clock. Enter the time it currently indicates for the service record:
7:36
